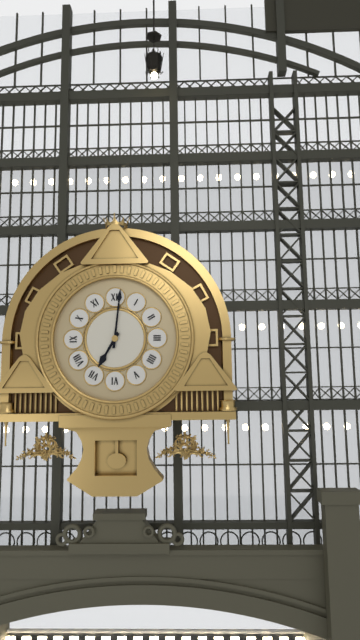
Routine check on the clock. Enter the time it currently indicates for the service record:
7:01
